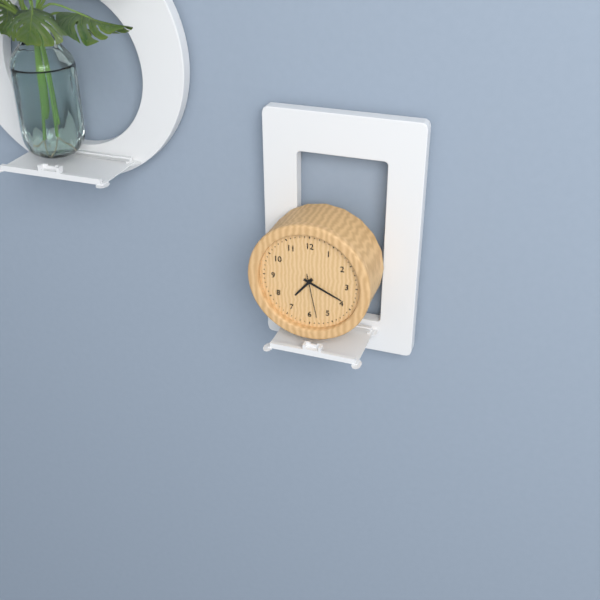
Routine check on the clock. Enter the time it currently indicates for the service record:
7:19
